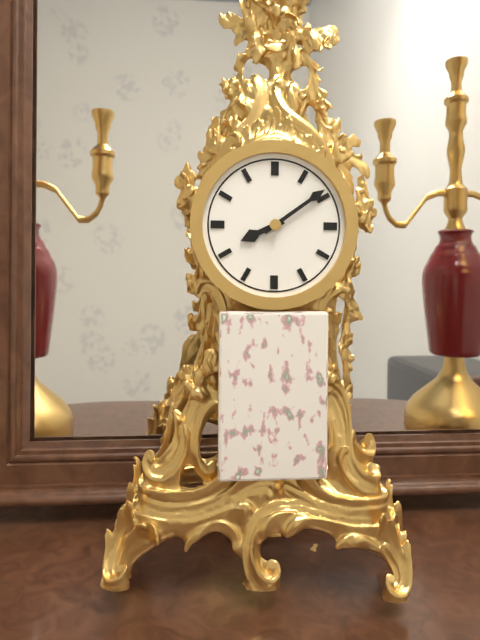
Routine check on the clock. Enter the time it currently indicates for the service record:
8:09
